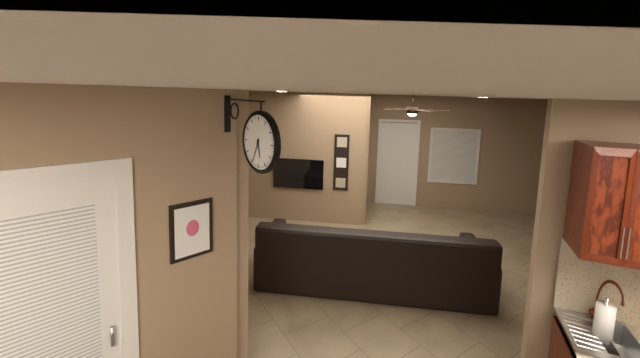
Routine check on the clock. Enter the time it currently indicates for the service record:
5:34
